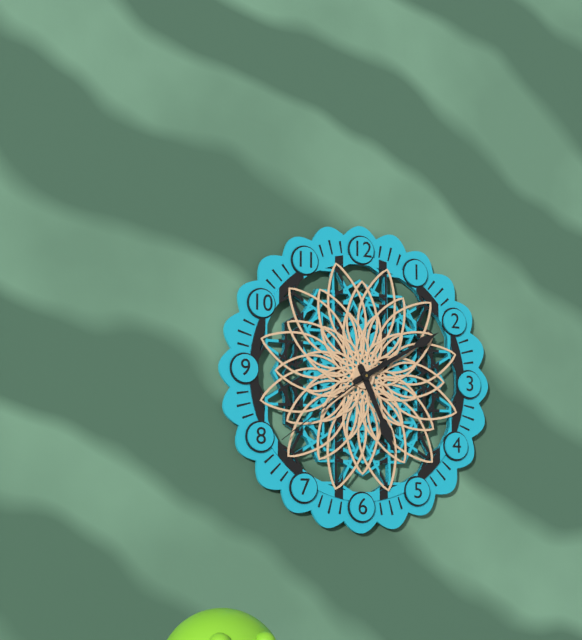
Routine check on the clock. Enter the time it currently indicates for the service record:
5:10:39
